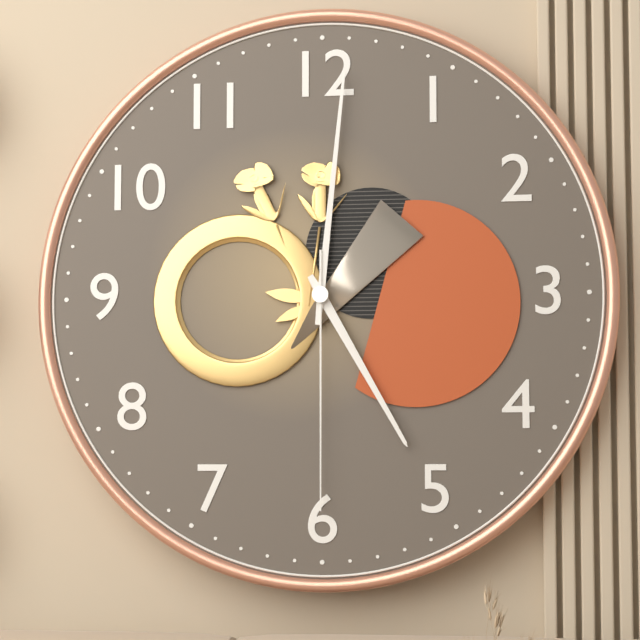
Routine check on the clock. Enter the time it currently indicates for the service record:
5:01:30
